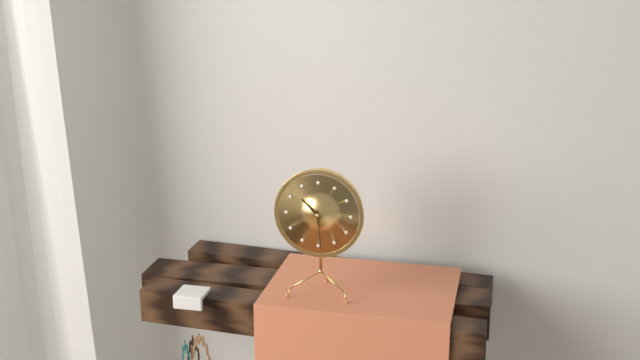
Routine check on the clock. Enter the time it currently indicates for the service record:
10:29
